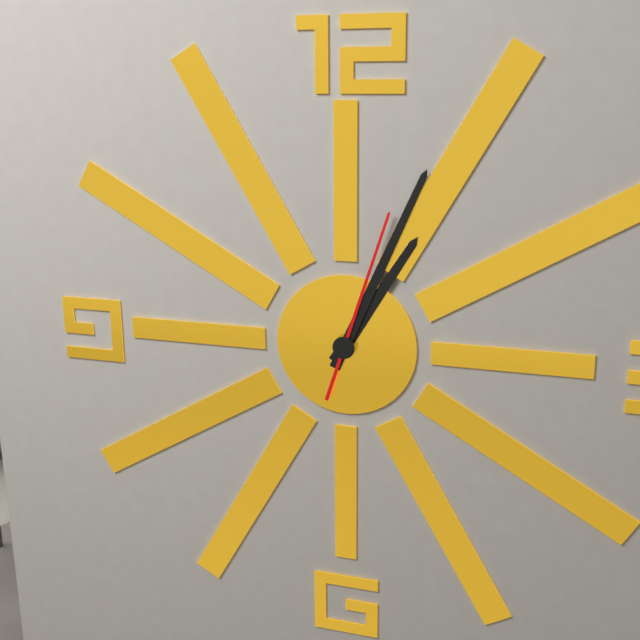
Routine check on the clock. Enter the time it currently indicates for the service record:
1:04:03
